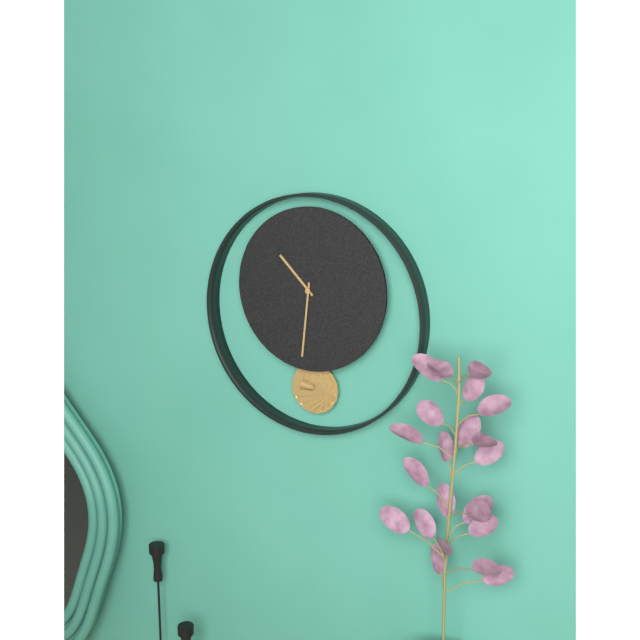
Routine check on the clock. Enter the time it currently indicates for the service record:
10:31
